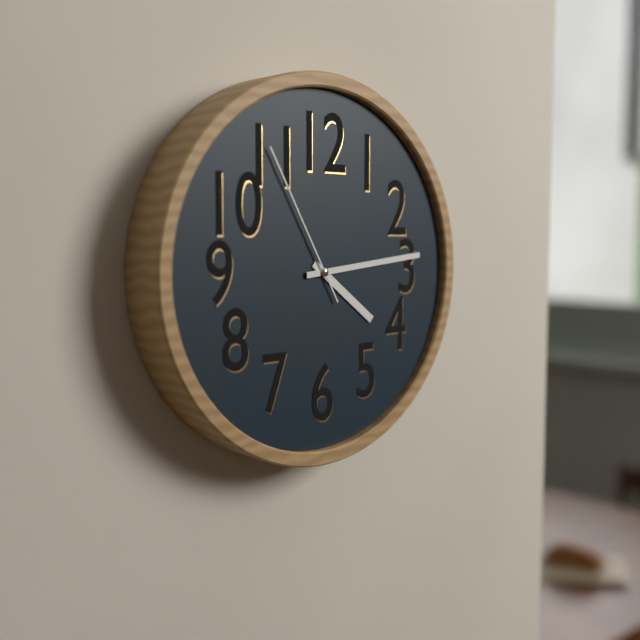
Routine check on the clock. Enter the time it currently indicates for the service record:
4:14:55
